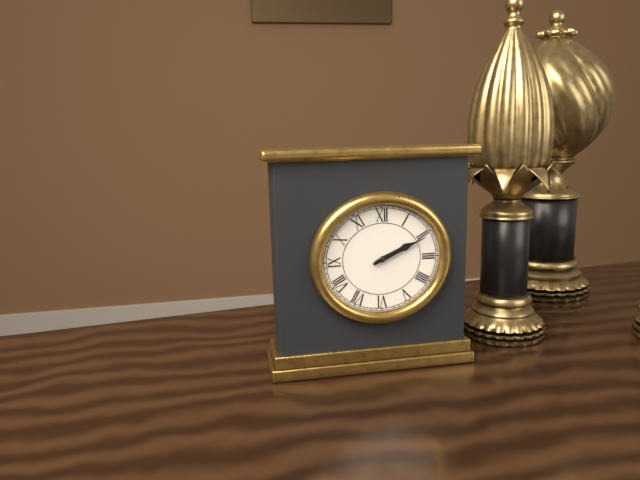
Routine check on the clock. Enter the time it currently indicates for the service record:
2:11
